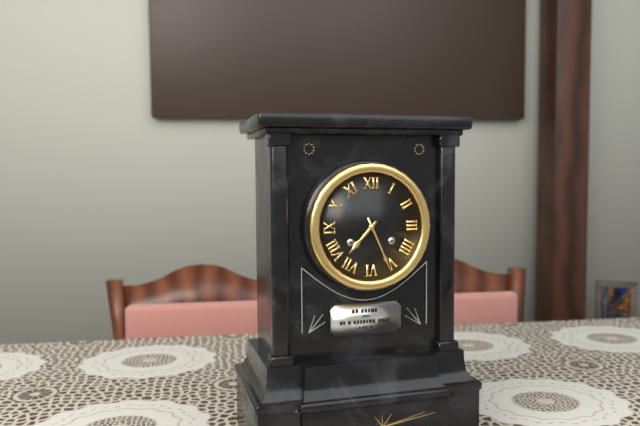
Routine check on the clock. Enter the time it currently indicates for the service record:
7:26
